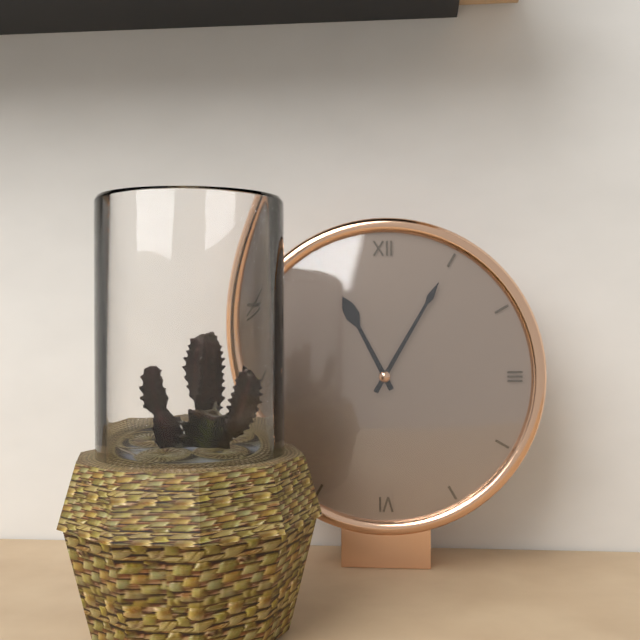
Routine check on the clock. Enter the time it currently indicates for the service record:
11:05
